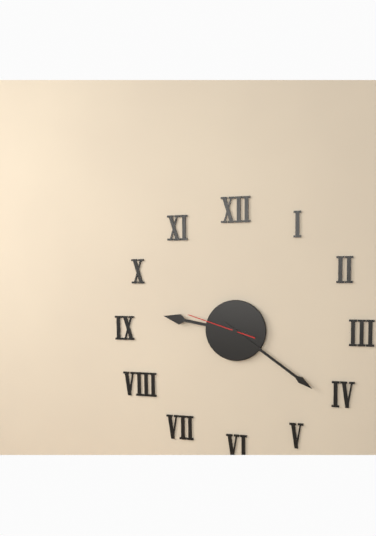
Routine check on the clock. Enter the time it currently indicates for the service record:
9:21:48
